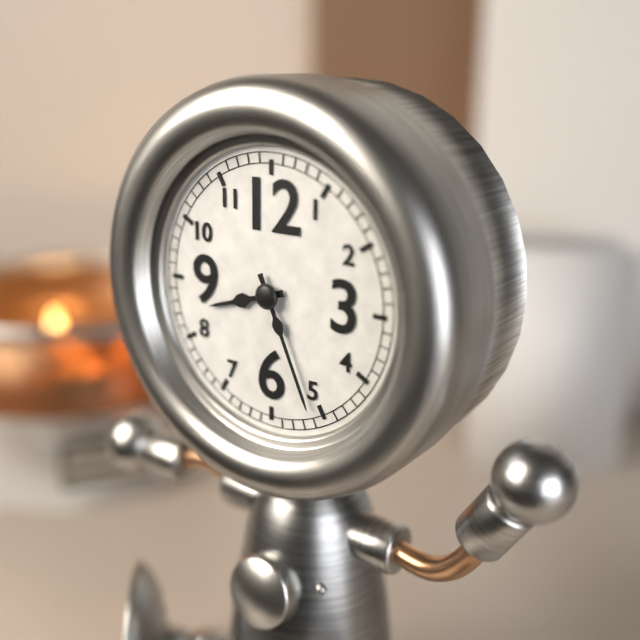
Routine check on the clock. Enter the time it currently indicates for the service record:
8:26
